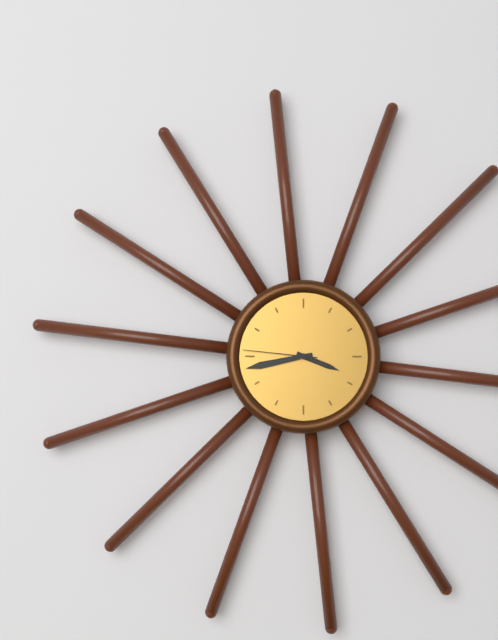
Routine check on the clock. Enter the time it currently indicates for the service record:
3:43:46
